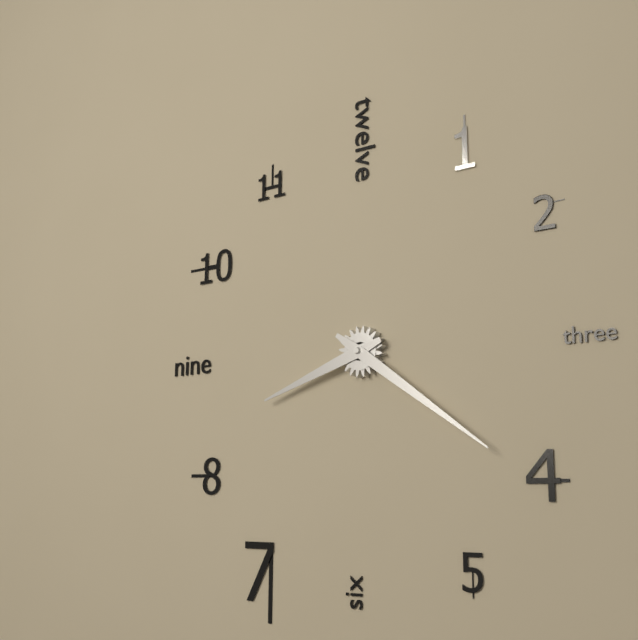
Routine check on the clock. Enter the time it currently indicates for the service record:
8:21
